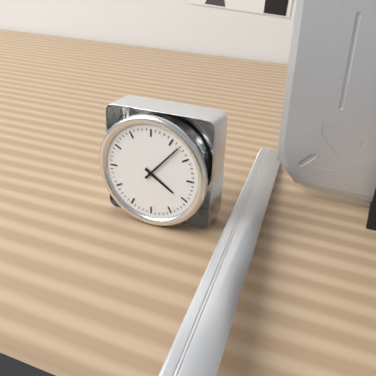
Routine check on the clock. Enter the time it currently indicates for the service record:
4:07
